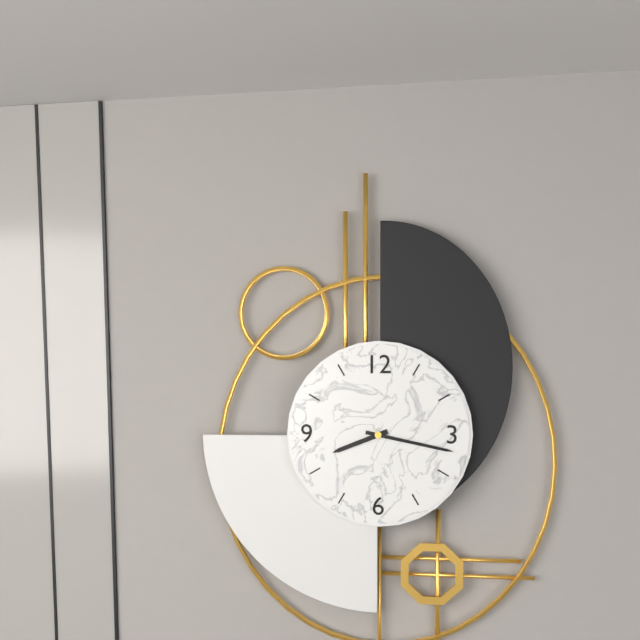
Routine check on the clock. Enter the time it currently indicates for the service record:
8:17
